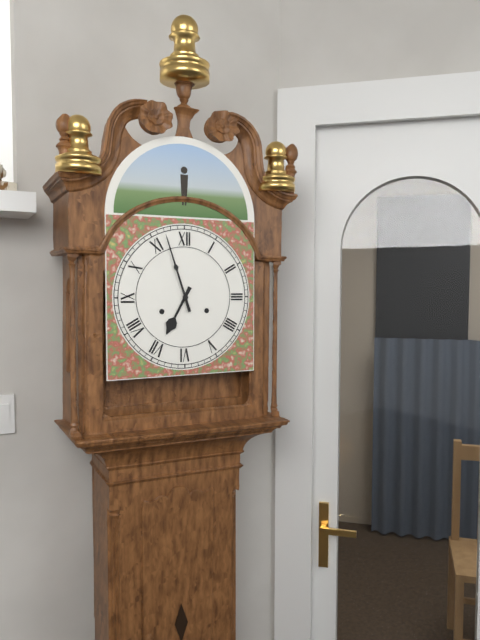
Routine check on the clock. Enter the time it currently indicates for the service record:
6:57
